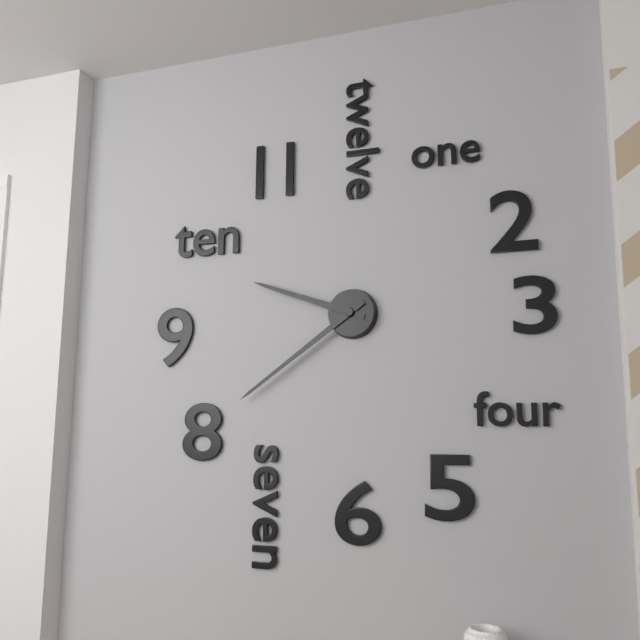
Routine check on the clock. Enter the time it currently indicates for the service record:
9:39
